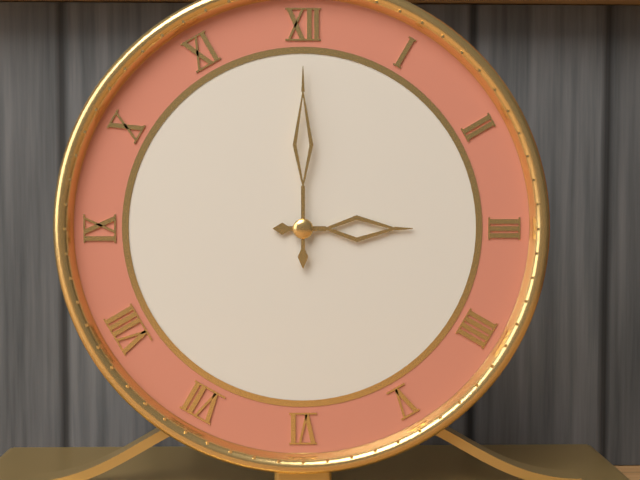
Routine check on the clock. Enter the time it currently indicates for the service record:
3:00
